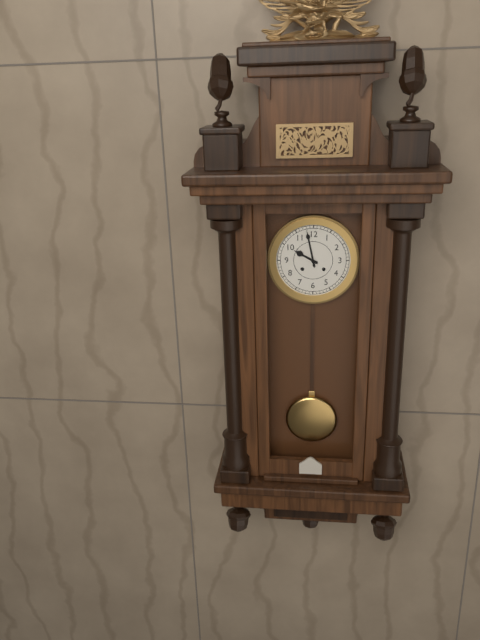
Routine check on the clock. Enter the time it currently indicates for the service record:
9:58
